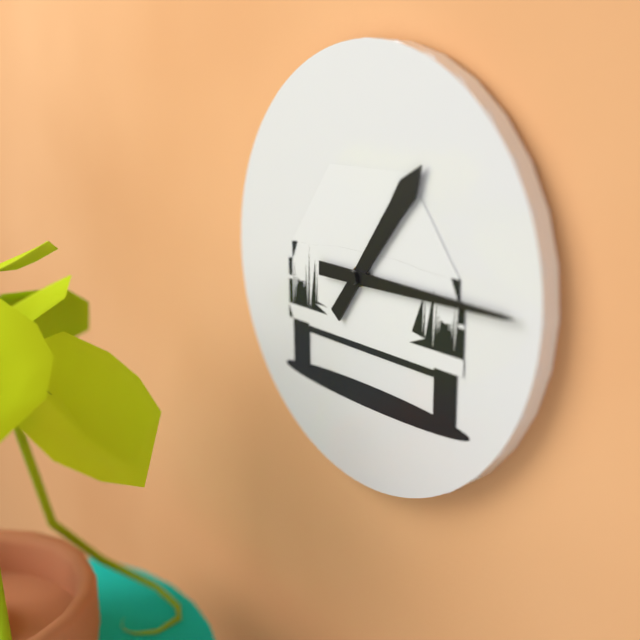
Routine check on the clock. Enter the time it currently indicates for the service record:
1:15
